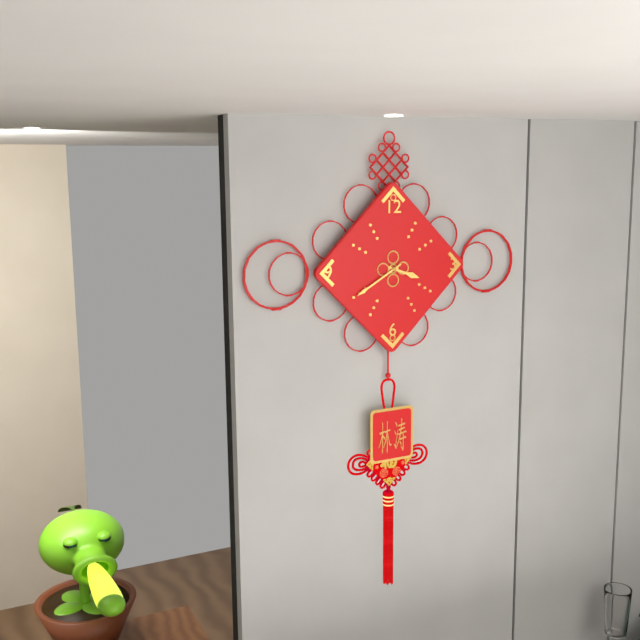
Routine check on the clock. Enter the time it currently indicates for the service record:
3:40
